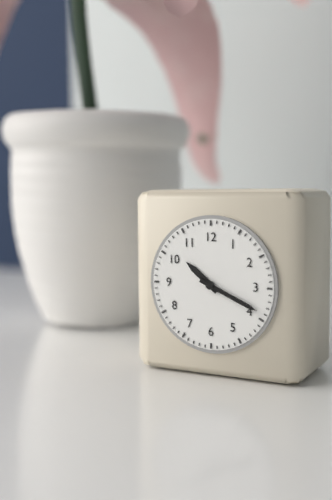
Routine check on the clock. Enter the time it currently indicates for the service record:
10:19
